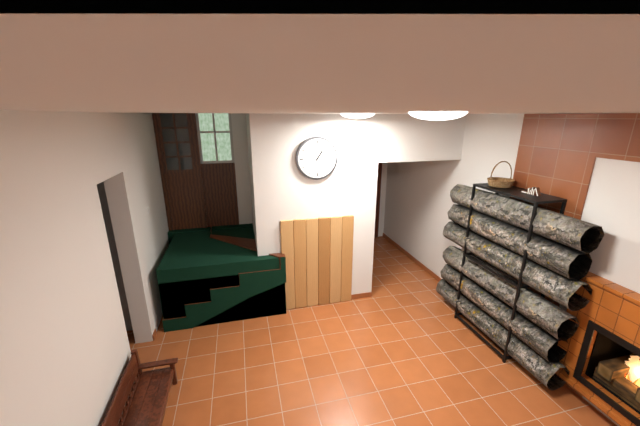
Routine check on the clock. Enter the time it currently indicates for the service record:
1:06
